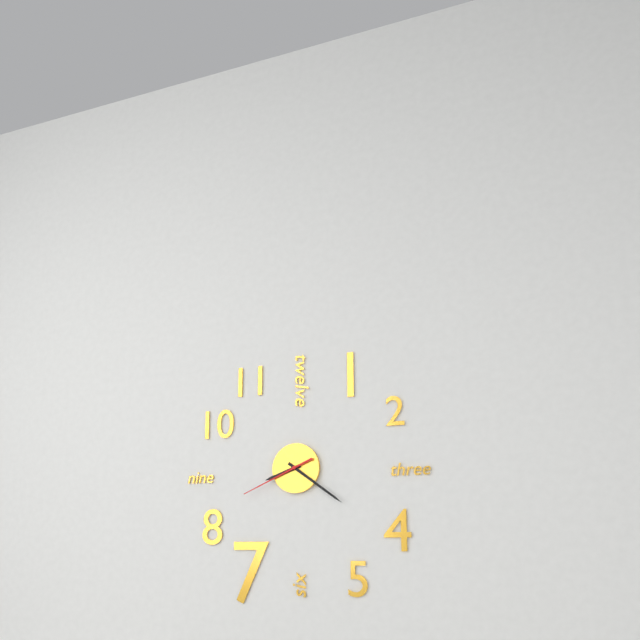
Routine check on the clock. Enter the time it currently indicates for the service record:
8:21:41
